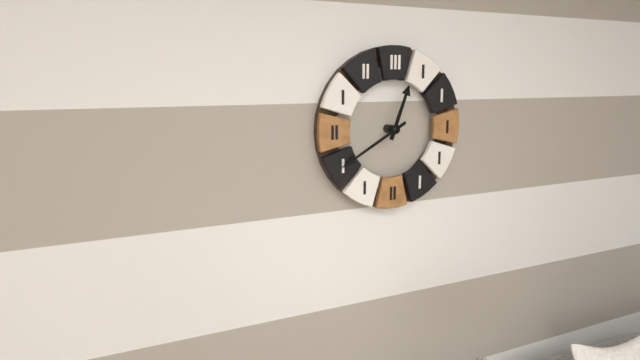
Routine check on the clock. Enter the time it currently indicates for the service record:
12:40
